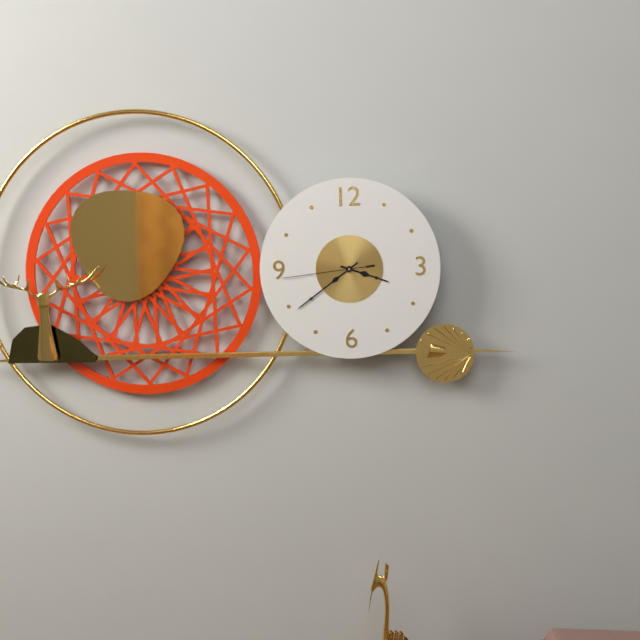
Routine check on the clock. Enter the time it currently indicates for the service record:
3:39:44
